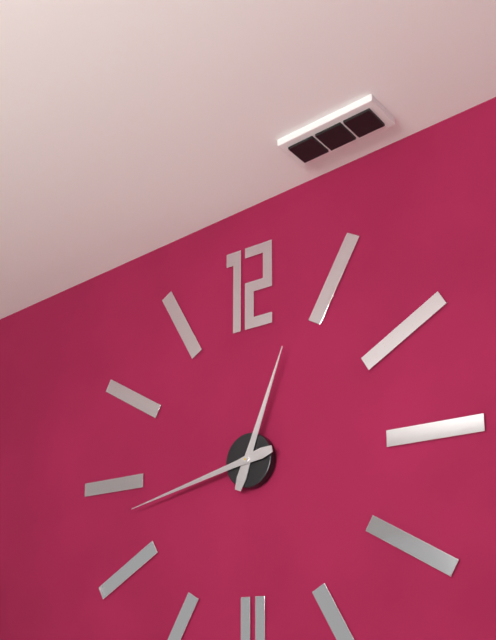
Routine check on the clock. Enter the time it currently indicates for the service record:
12:43
